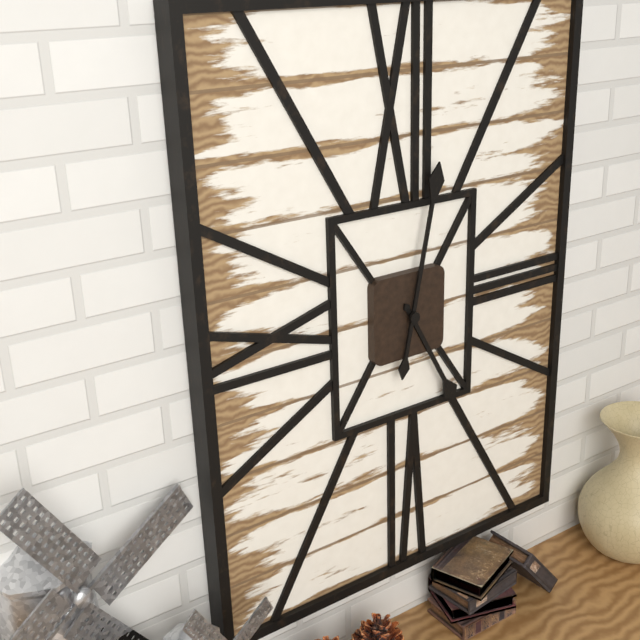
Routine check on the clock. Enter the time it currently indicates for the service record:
5:02
